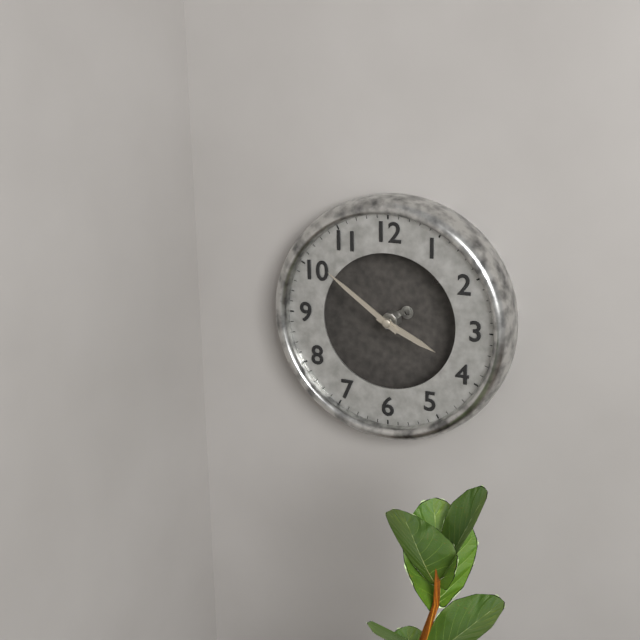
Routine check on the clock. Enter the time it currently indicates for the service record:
3:51
